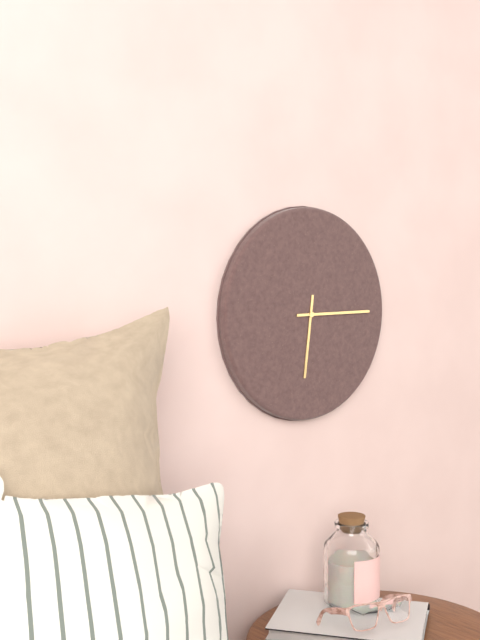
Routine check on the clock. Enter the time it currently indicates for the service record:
6:15
